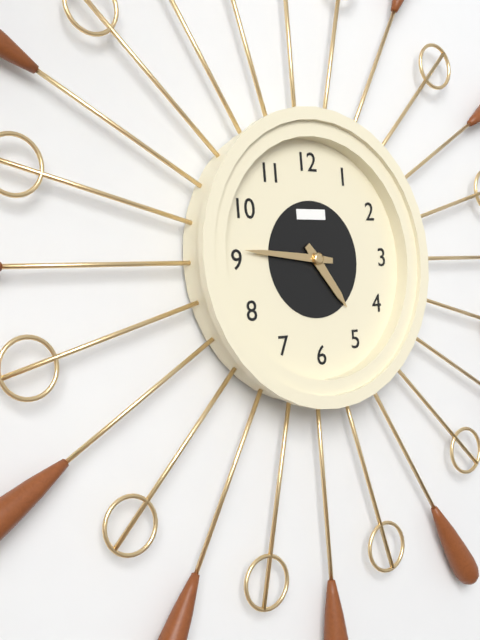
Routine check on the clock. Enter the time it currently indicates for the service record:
4:46
